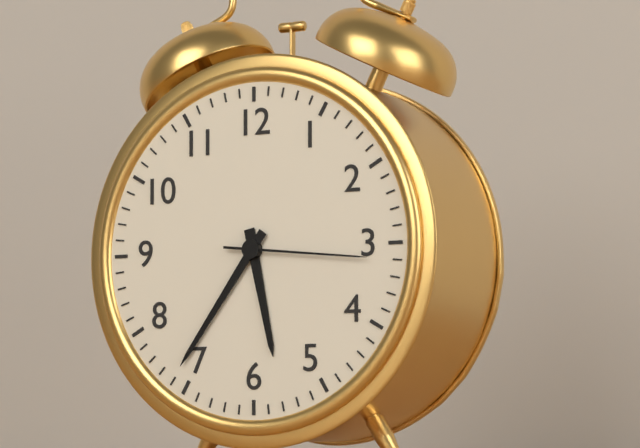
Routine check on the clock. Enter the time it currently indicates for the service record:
5:36:16
